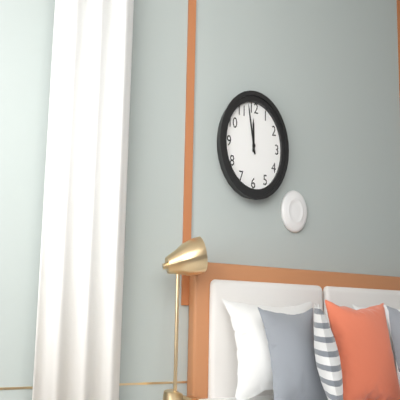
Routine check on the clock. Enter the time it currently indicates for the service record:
11:58
